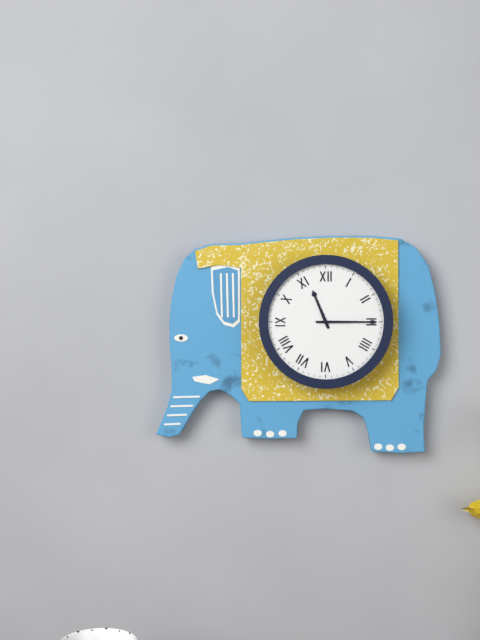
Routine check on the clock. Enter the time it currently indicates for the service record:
11:15
